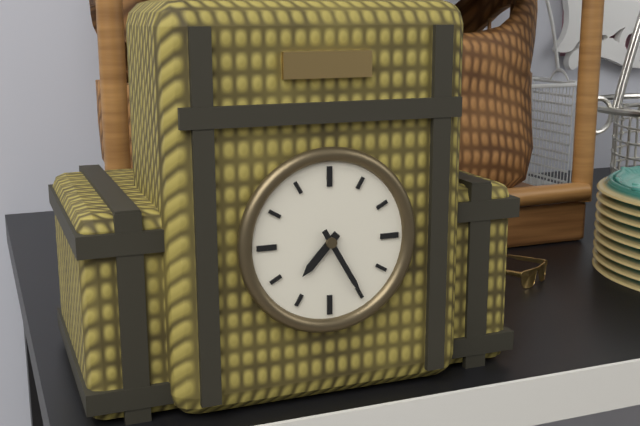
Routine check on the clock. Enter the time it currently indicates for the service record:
7:25
